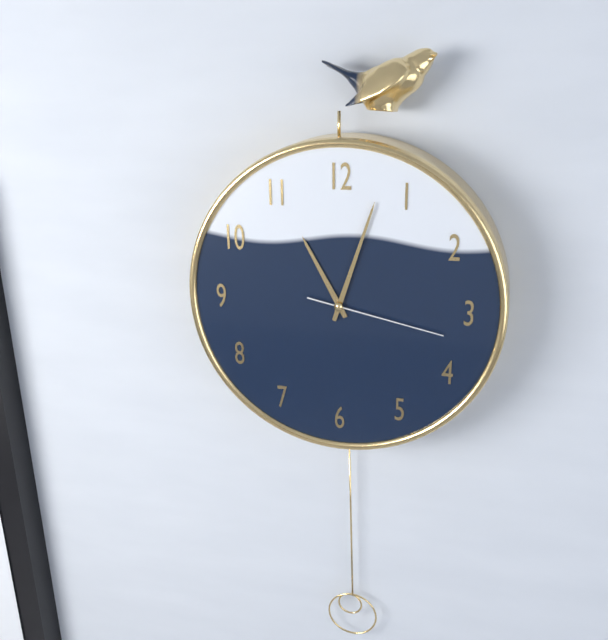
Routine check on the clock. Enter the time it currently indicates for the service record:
11:03:17
